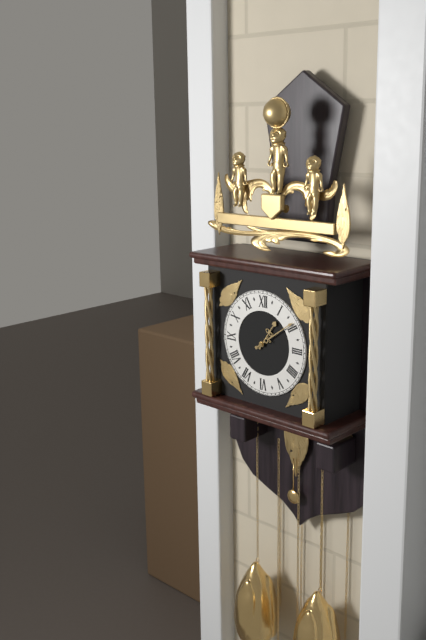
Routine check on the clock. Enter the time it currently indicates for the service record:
1:09
